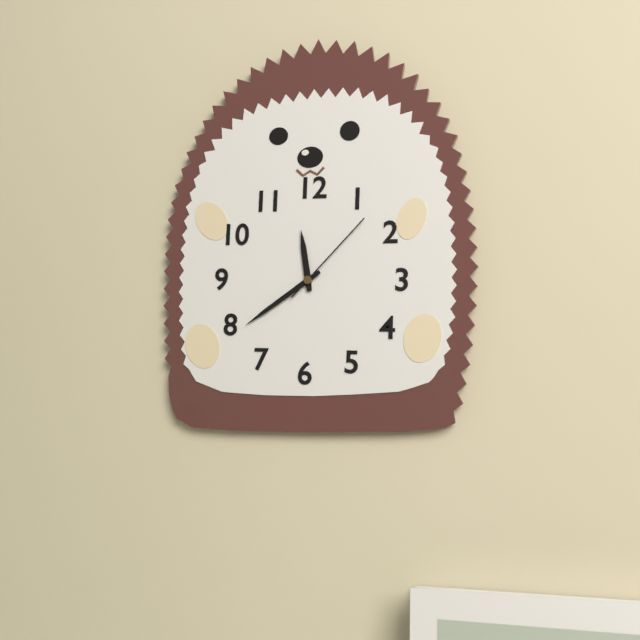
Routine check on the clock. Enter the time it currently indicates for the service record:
11:39:07
